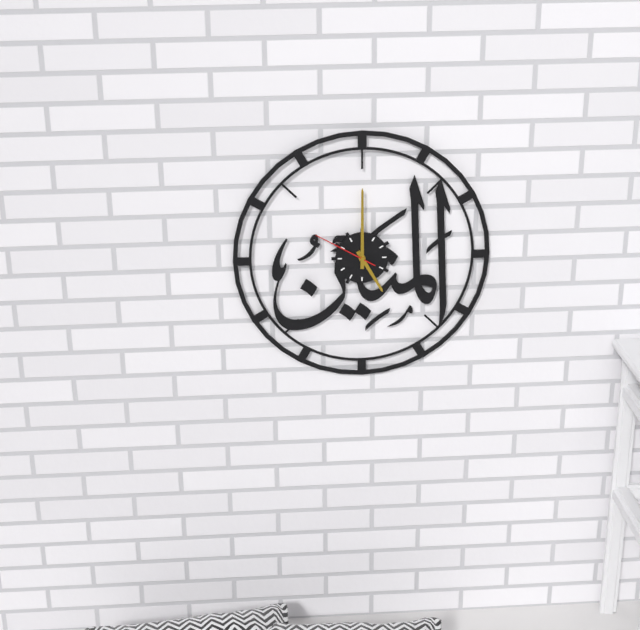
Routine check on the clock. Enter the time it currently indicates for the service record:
5:00:50
